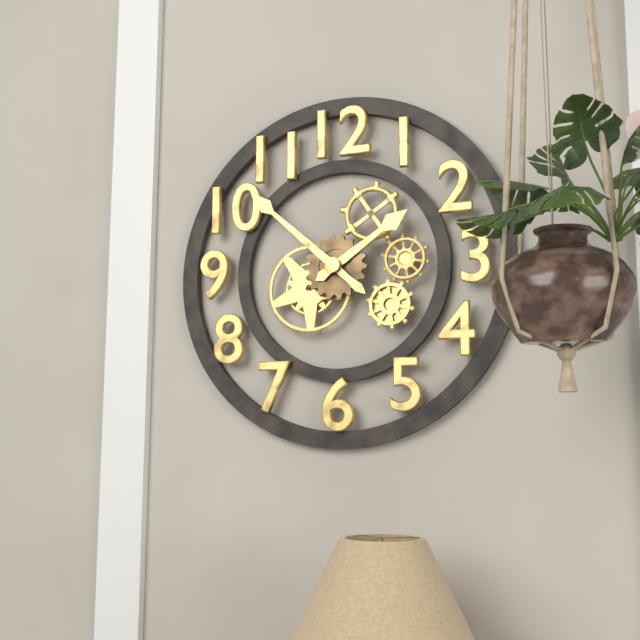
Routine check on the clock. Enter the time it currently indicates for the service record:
1:52
